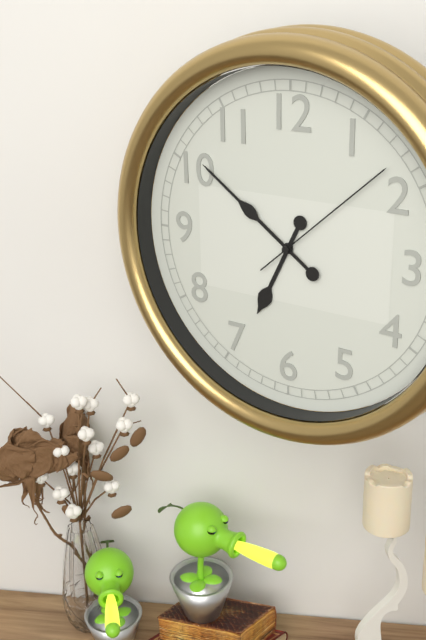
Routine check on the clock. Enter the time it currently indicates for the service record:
6:51:08
